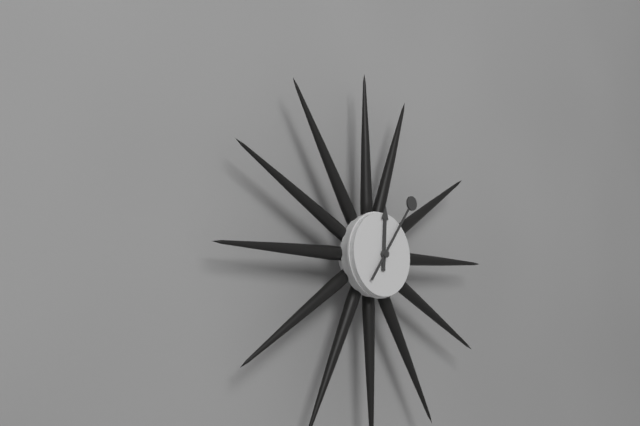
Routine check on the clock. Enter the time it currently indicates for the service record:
12:06
